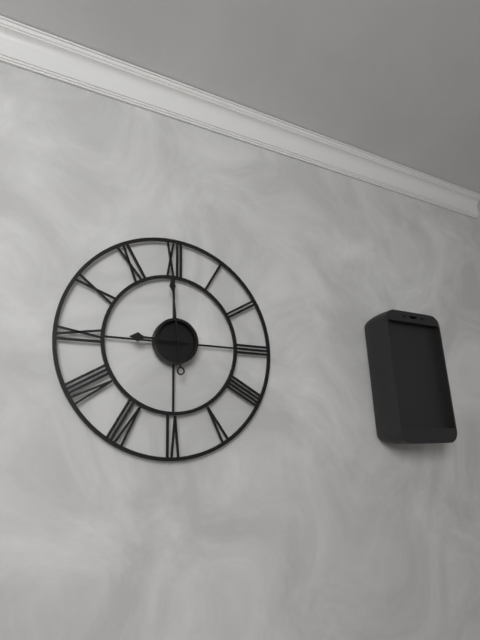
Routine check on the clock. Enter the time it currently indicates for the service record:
8:59
